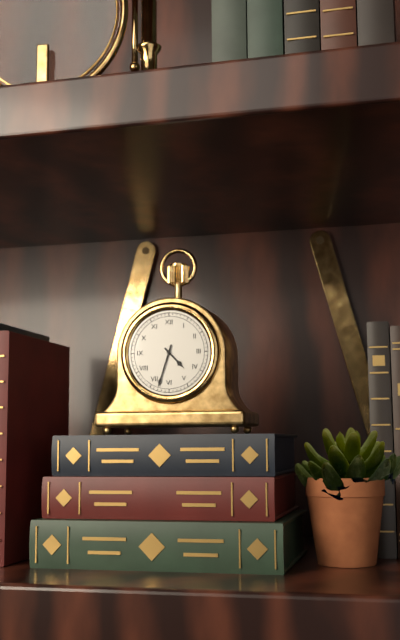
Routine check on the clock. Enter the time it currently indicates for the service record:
4:33
